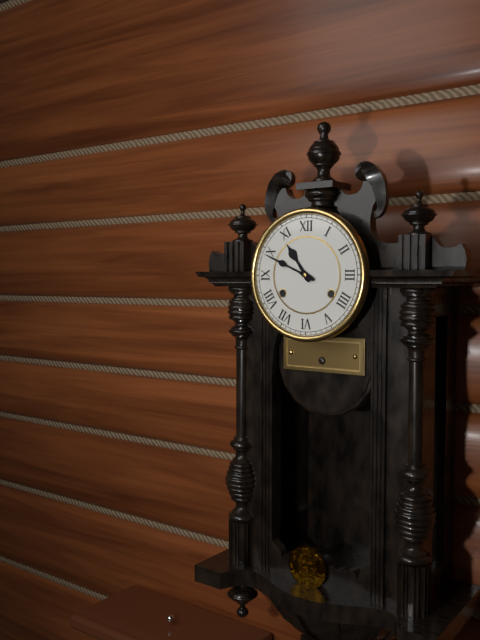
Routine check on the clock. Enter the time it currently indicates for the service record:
10:49
